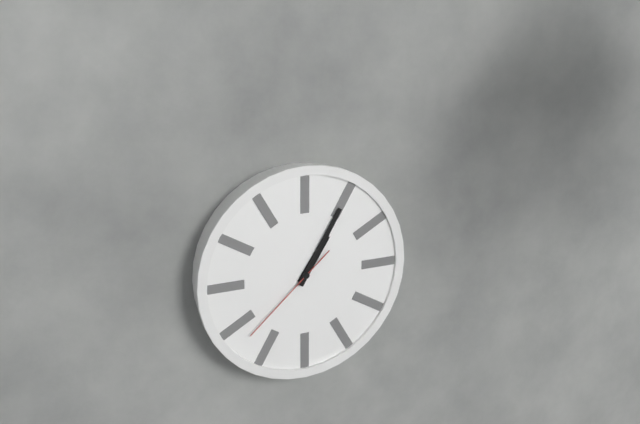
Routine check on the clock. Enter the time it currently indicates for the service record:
1:05:38
